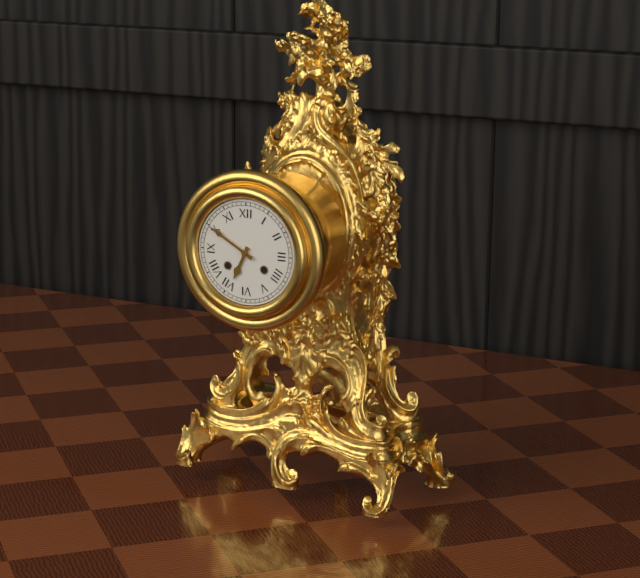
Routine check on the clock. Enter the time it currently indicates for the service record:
6:50
